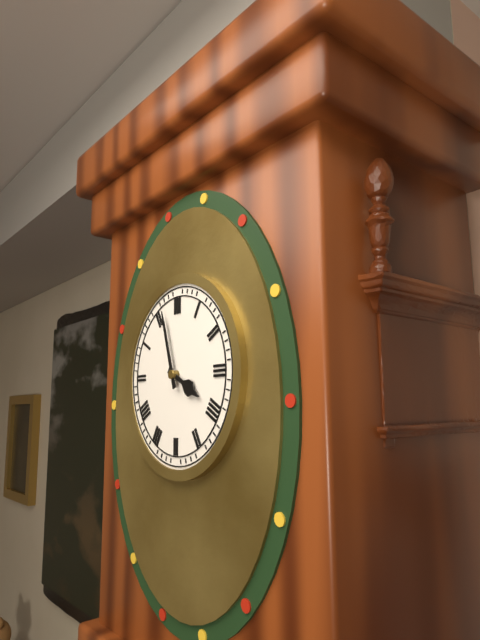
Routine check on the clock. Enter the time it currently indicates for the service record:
3:57
